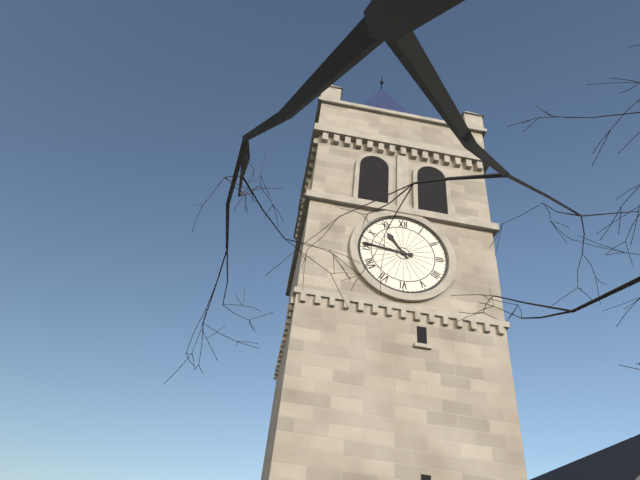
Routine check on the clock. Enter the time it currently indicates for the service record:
10:46
